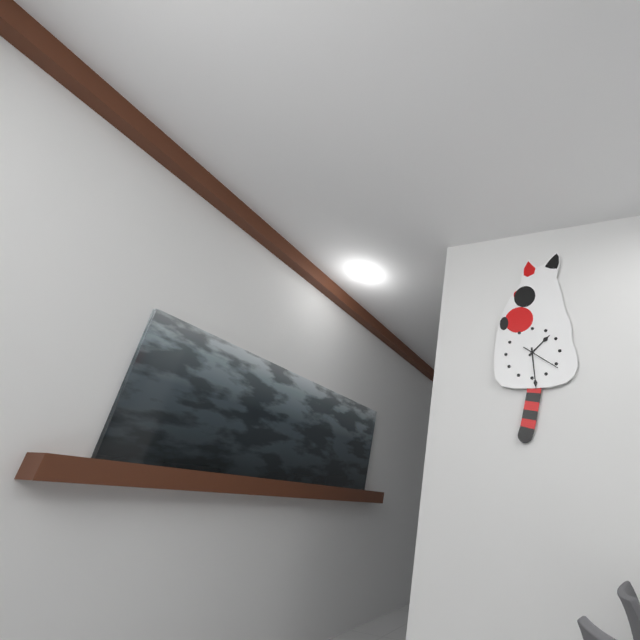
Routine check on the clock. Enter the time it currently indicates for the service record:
1:29
